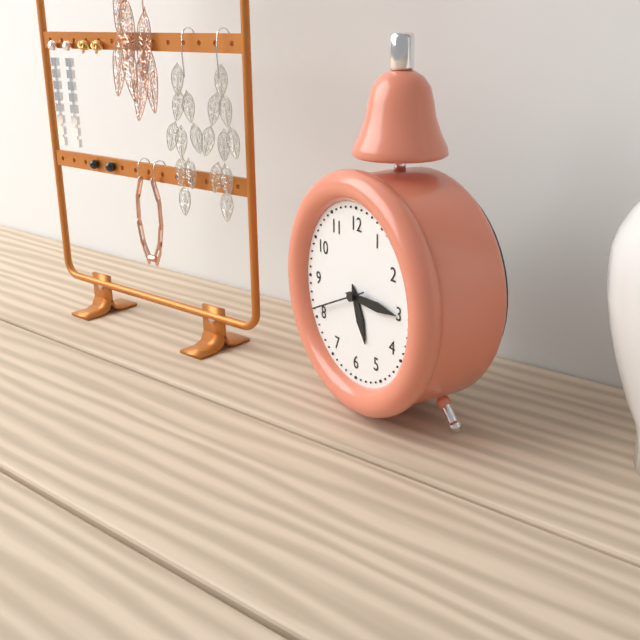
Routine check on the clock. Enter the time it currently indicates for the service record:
5:15:41
